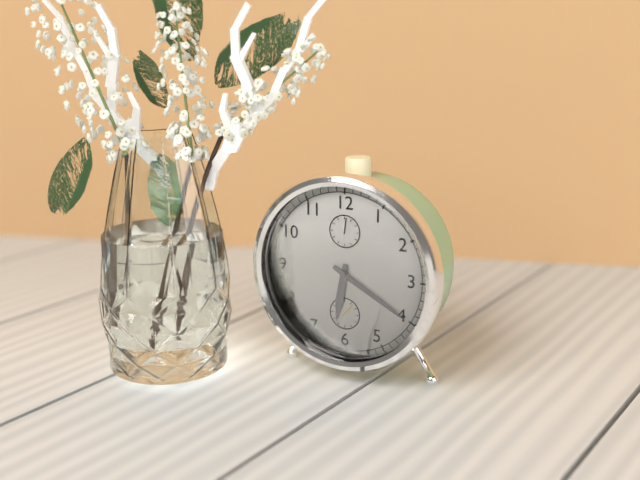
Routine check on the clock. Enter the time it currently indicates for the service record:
6:20
